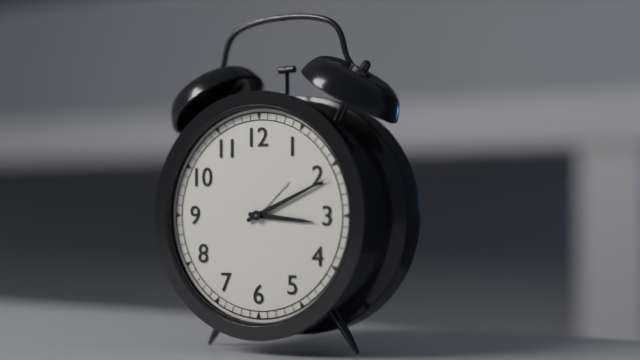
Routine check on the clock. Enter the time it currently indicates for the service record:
3:11
